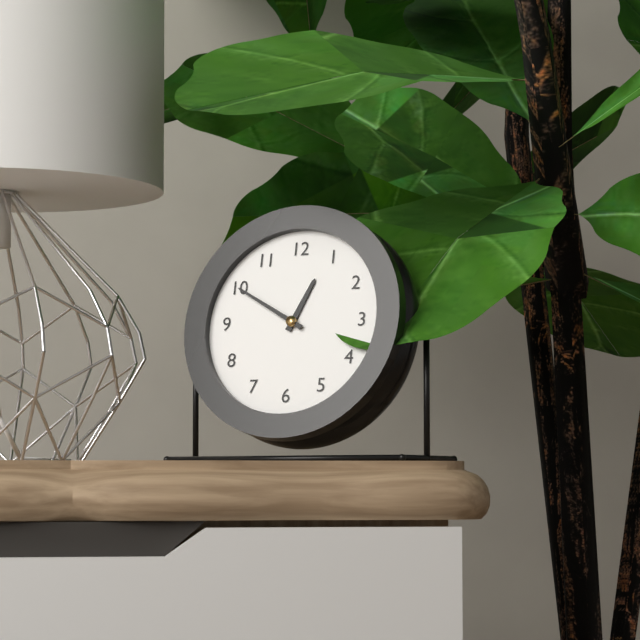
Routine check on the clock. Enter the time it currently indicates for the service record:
12:50
